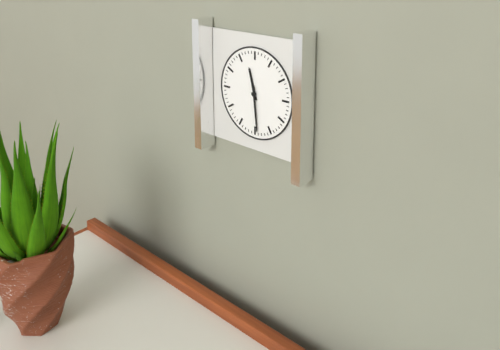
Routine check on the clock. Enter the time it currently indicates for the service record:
11:29
